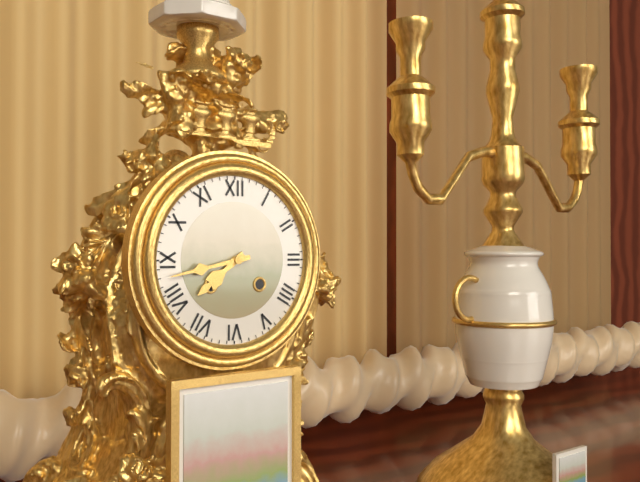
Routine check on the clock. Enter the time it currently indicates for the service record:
7:43
